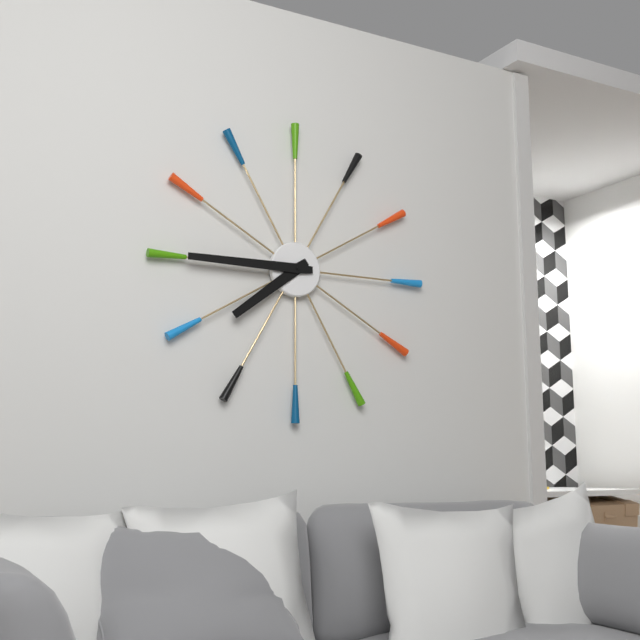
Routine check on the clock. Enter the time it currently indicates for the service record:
7:45
